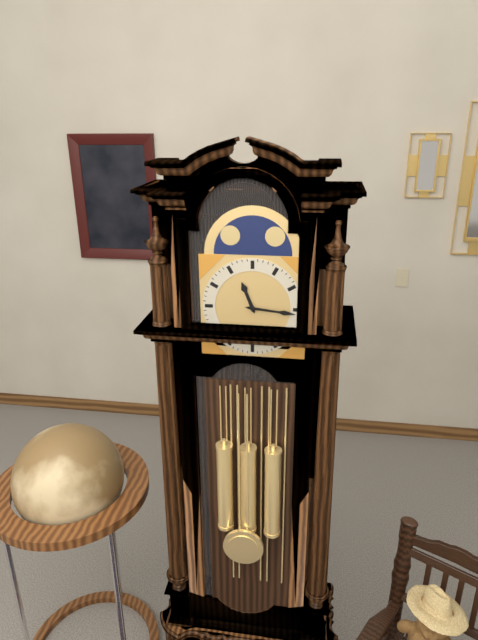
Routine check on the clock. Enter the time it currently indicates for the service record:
11:16
